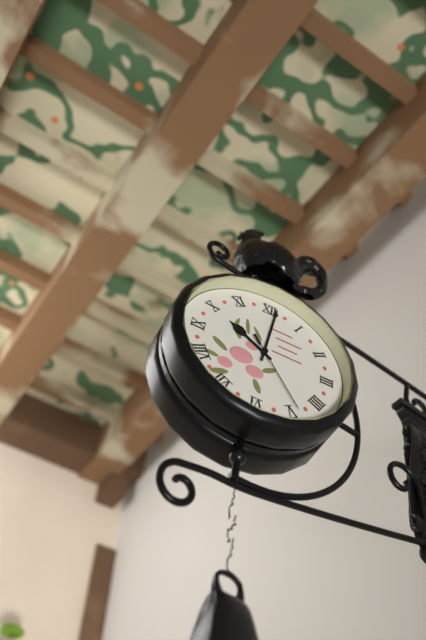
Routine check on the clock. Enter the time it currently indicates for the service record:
10:01:24
